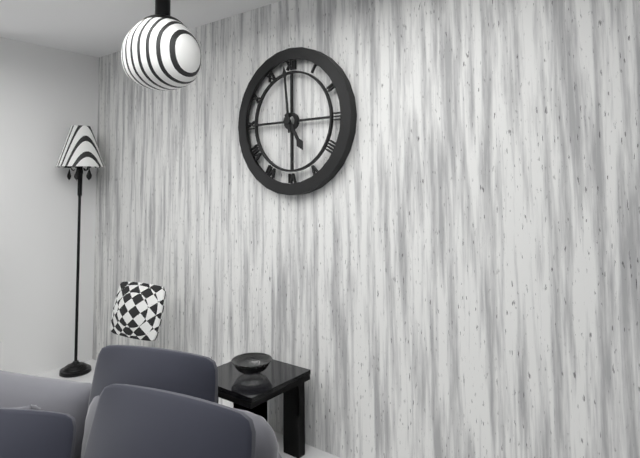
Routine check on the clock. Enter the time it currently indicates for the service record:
4:59
